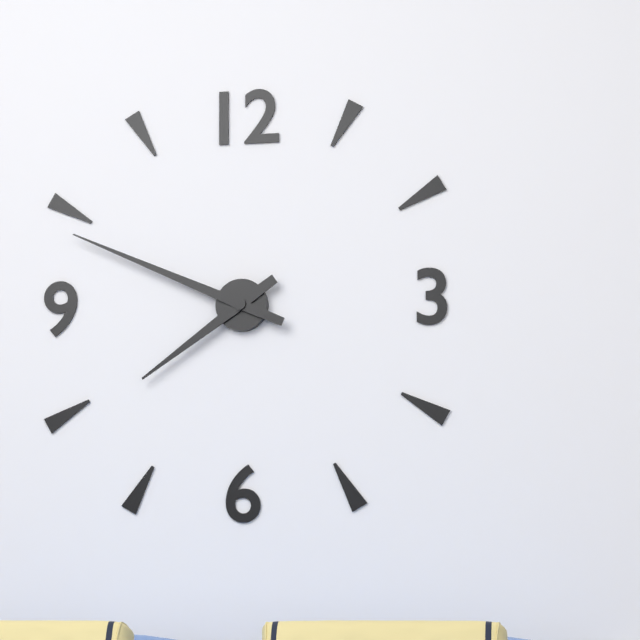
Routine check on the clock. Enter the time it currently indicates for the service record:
7:49
